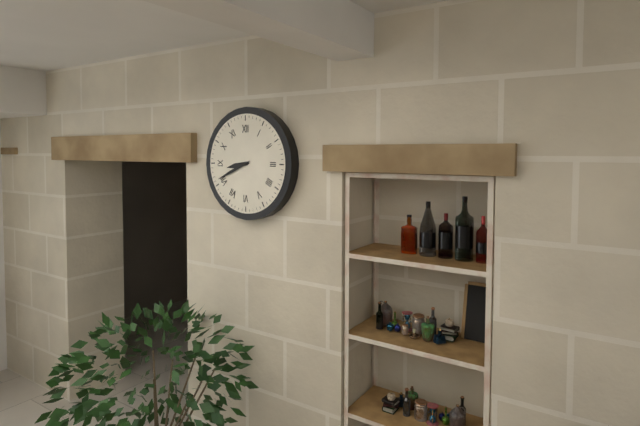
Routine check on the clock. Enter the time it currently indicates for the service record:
8:41
